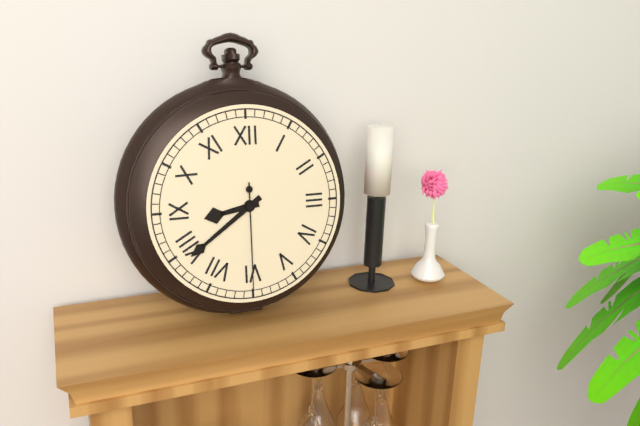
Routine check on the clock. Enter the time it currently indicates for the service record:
8:39:30
